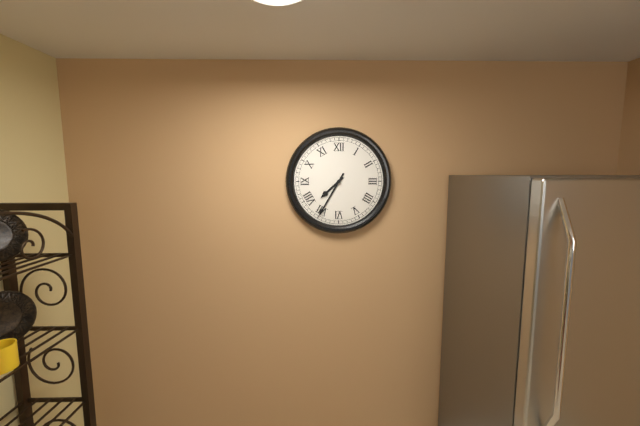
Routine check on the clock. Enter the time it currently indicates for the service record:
7:35
